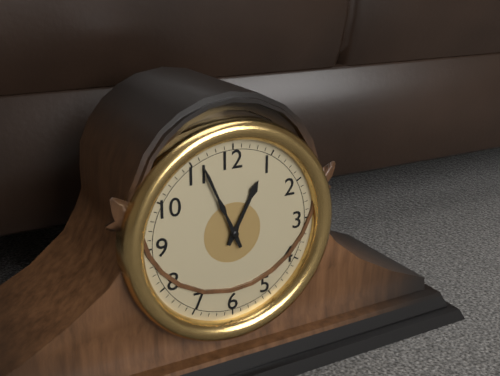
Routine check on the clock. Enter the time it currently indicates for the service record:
12:56
